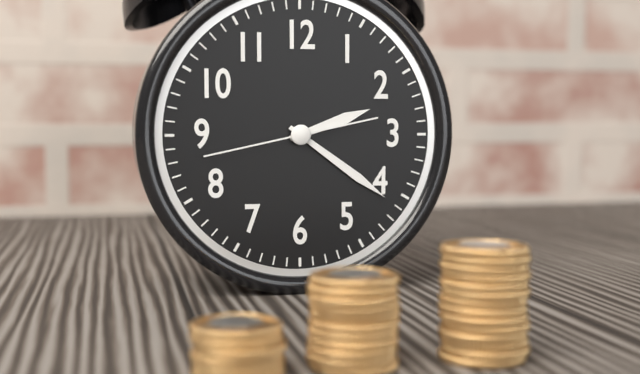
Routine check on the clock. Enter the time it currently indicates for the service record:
2:21:43
